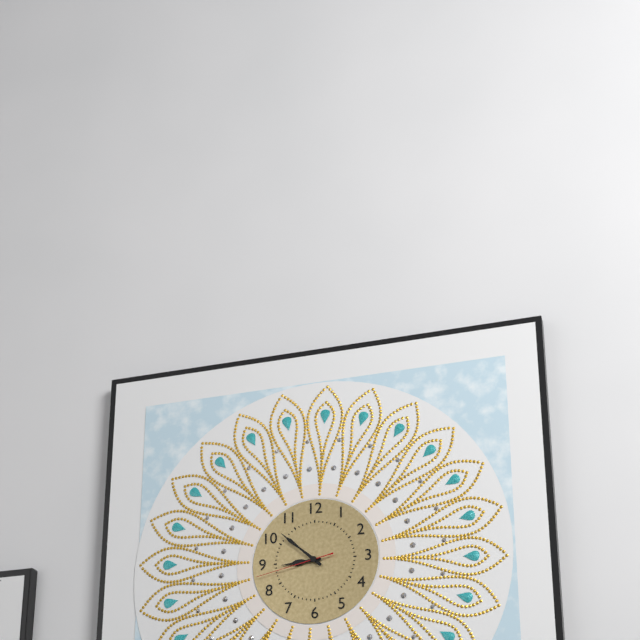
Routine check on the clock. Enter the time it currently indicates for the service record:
8:52:43
